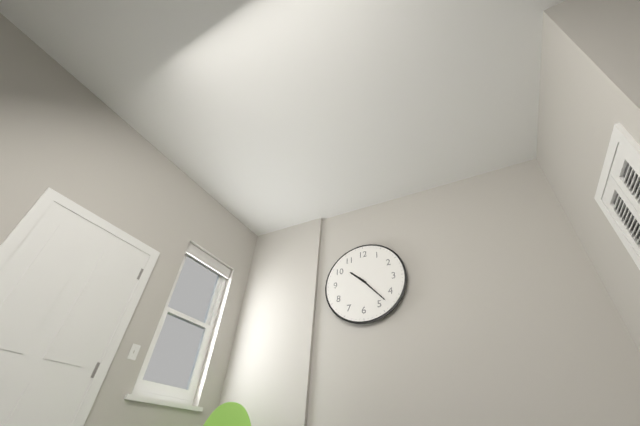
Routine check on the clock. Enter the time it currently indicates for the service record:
10:23
